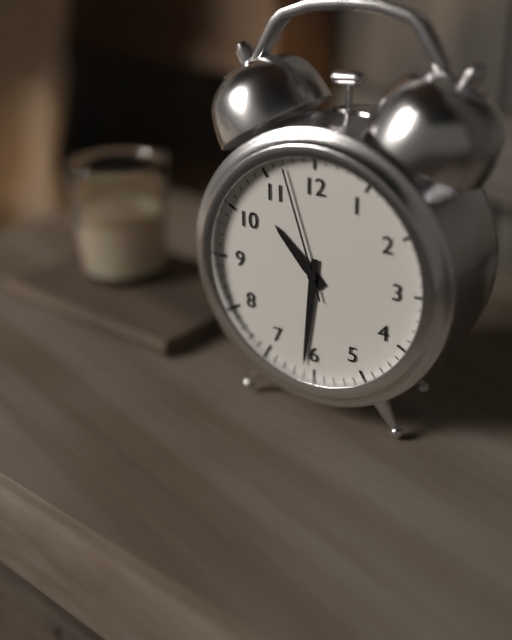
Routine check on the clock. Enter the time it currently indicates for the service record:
10:31:57
